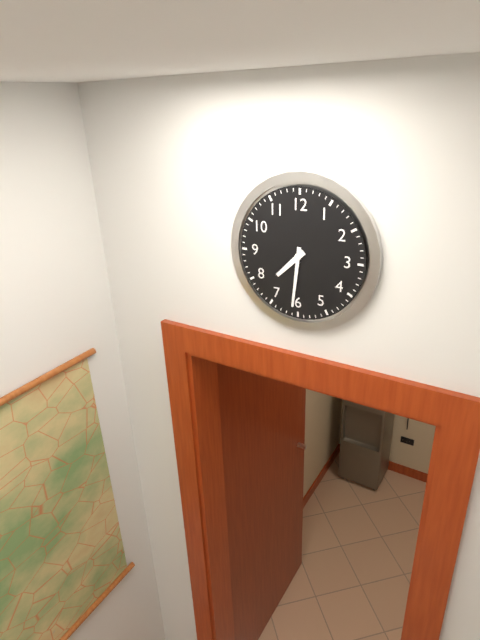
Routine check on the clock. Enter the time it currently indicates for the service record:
7:31
